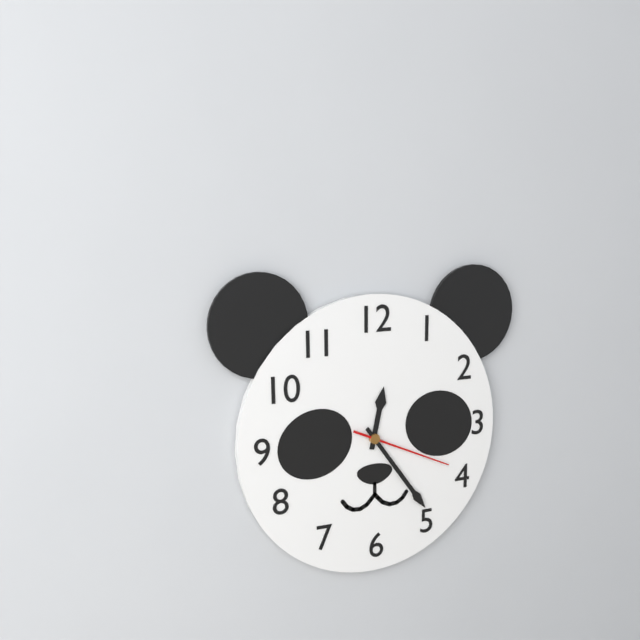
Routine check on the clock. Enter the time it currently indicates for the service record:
12:24:19
